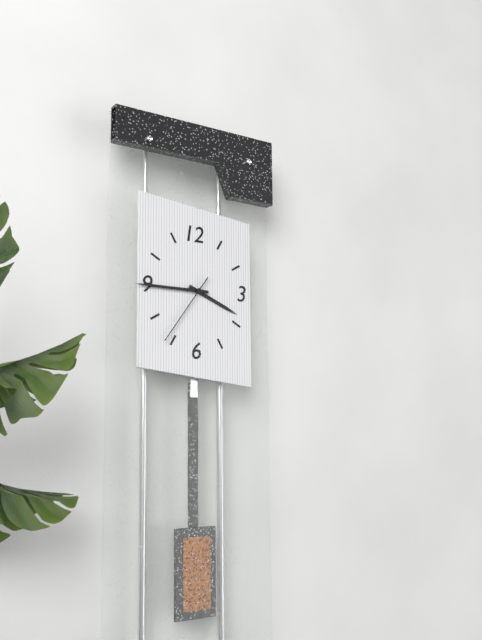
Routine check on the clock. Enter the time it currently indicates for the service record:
3:45:36
